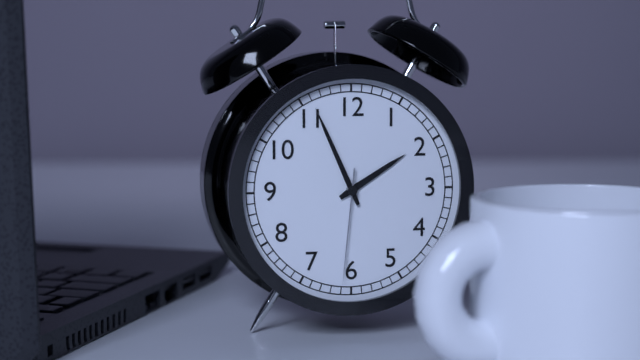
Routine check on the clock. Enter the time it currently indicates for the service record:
1:56:31
